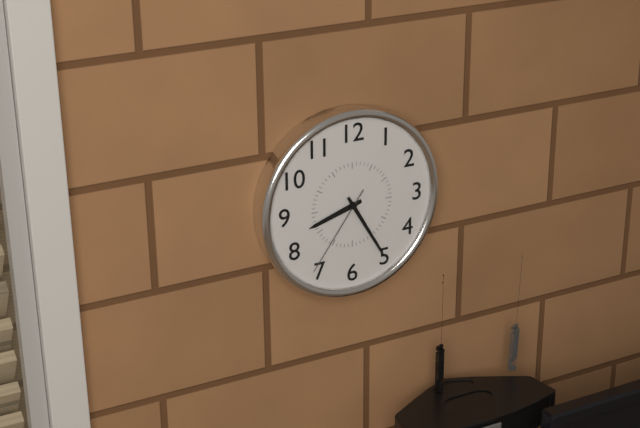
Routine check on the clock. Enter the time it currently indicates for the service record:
8:25:36
